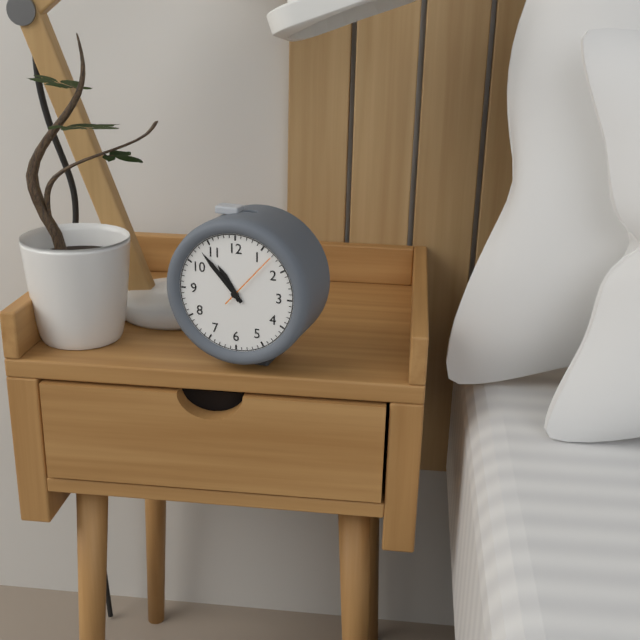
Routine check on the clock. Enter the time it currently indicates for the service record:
10:53
